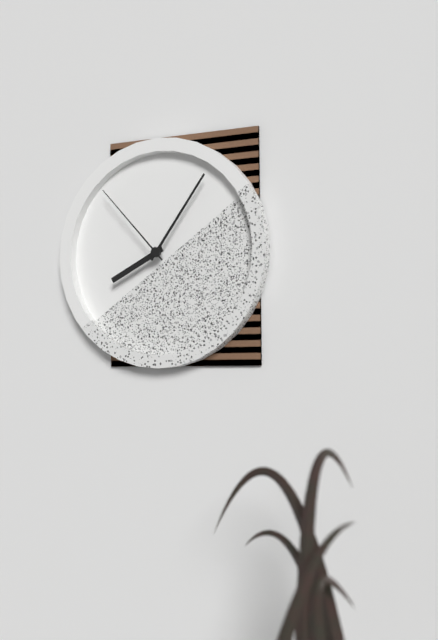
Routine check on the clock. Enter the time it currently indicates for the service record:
8:06:53
